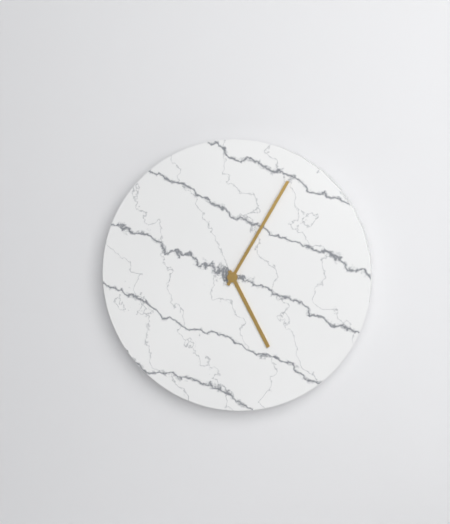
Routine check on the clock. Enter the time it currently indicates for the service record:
5:05
